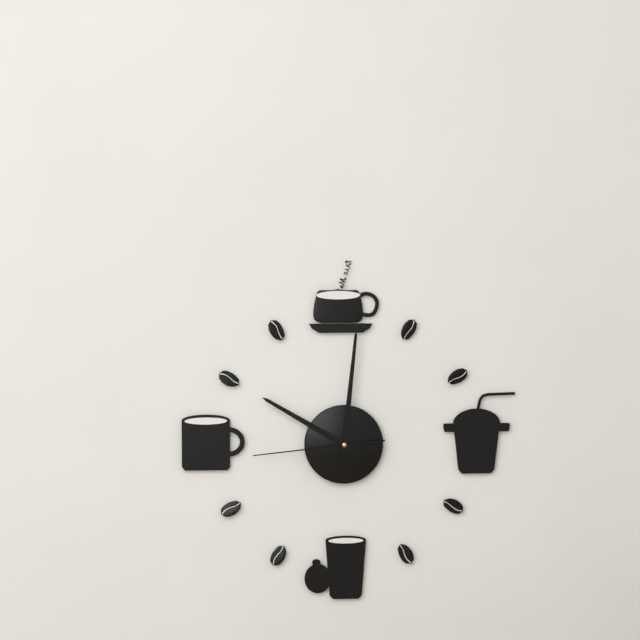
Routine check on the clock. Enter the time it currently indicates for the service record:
10:01:44
